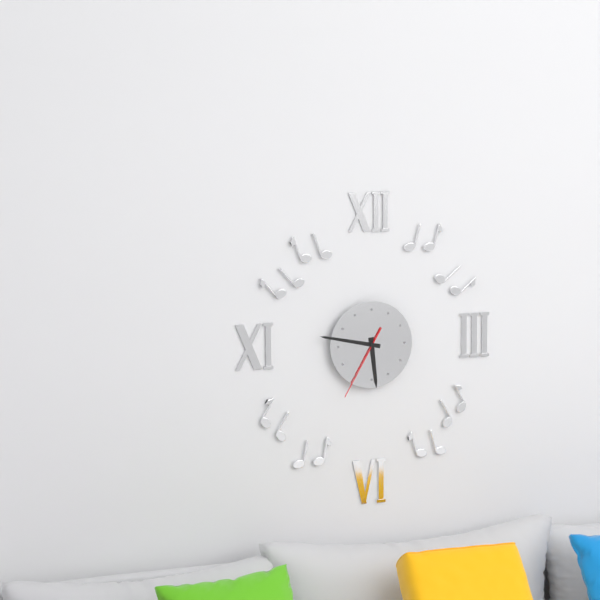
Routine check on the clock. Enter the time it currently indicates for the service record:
5:47:35
